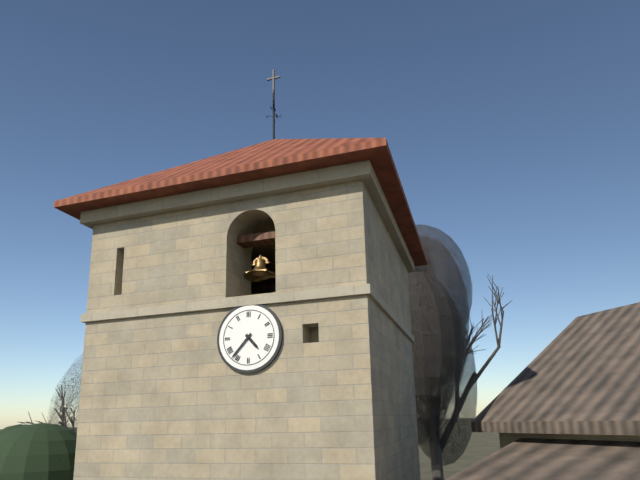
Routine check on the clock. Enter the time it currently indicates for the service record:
4:37
